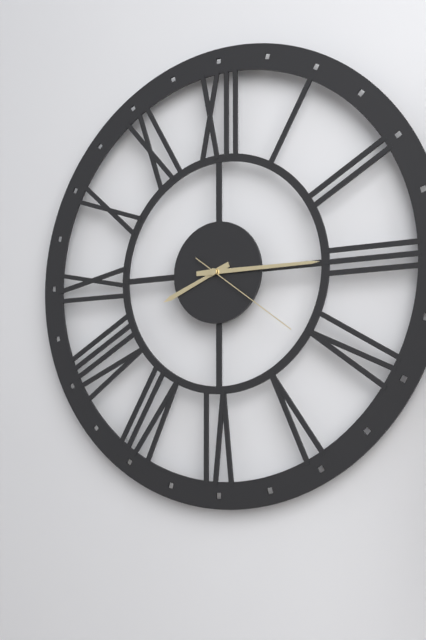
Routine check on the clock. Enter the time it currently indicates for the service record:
8:15:21
